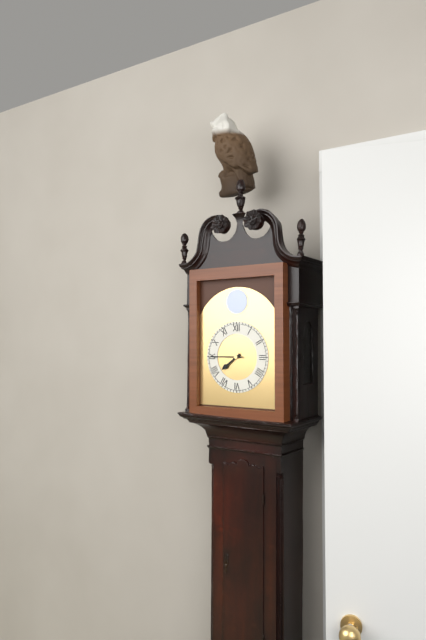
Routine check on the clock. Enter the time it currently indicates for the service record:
7:45
